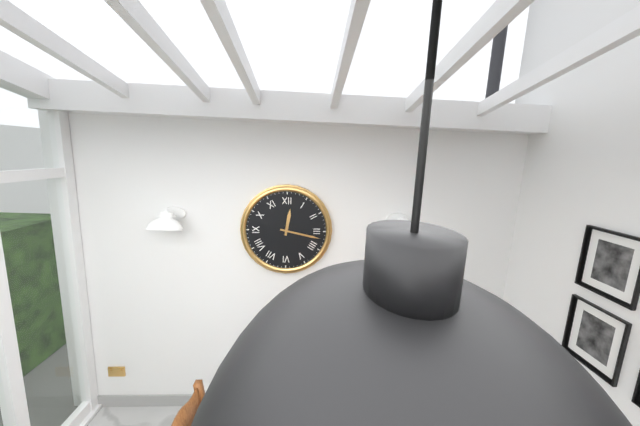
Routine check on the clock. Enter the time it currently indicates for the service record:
12:17
